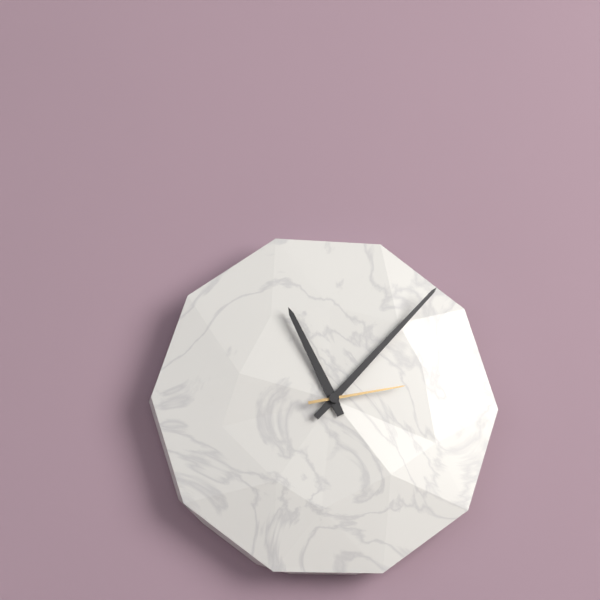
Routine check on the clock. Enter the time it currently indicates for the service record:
11:07:13
